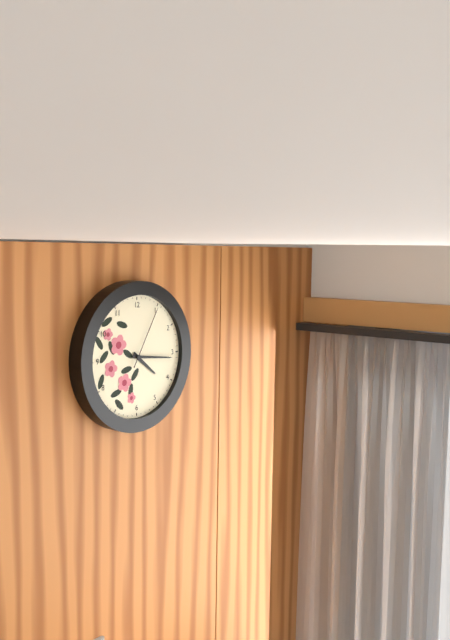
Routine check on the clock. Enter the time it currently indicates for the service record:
4:16:05
